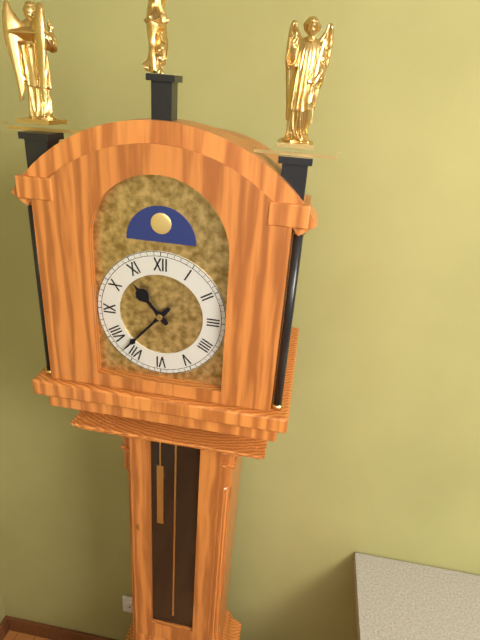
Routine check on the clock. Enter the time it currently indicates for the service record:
10:37
